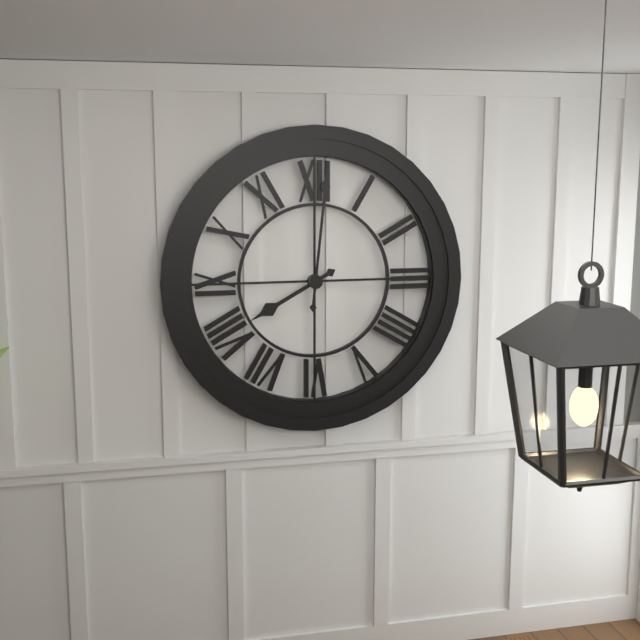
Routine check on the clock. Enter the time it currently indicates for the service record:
8:01
